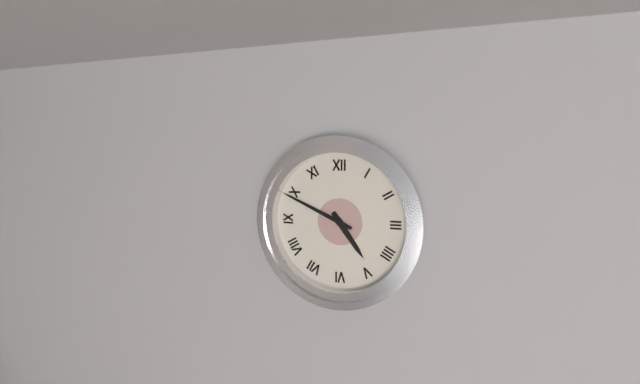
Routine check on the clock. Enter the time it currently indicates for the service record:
4:49
